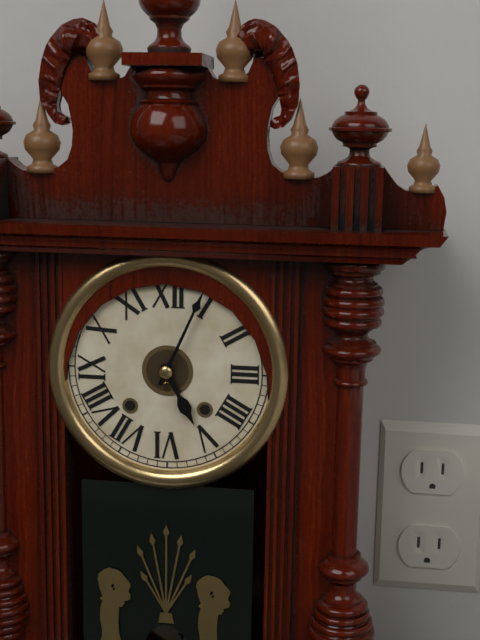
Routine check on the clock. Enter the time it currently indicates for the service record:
5:04
